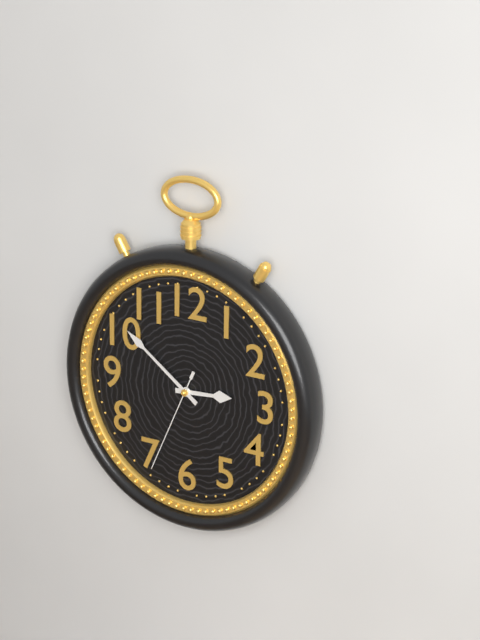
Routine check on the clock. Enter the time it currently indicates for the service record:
2:51:34
